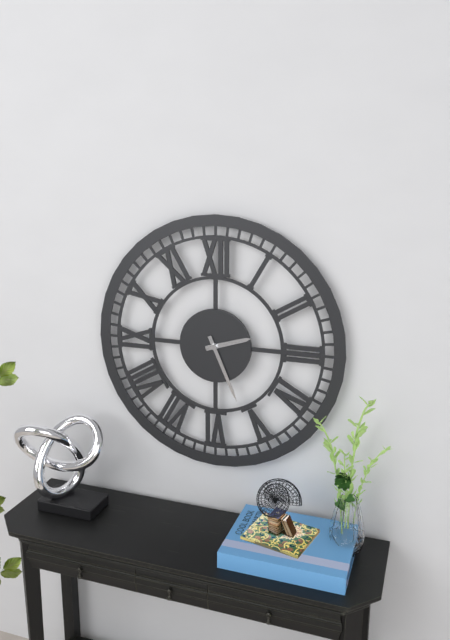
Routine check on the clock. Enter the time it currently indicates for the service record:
2:26
